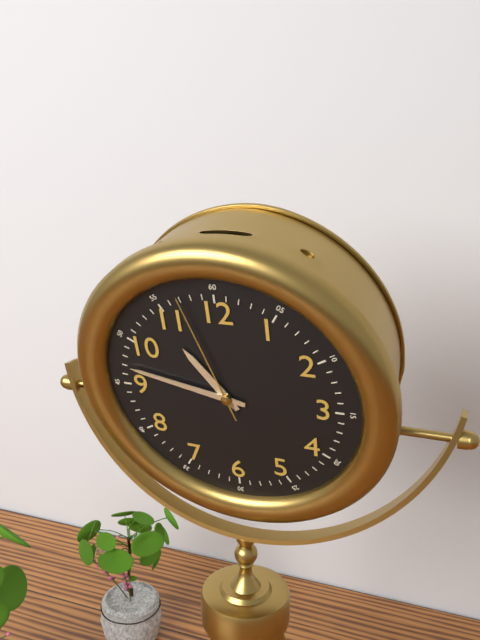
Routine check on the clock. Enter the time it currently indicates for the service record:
10:47:57
